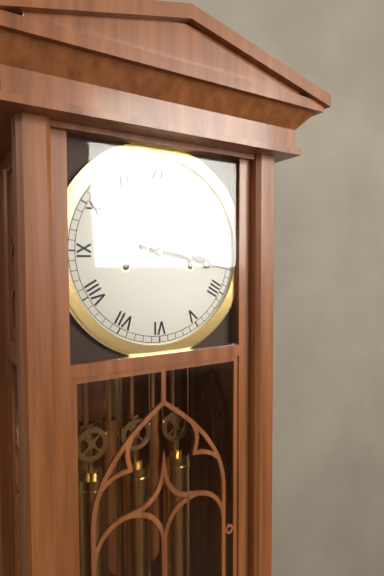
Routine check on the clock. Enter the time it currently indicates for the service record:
3:17
